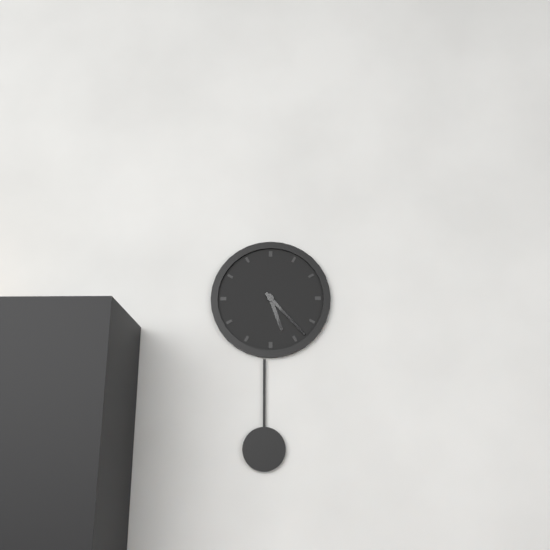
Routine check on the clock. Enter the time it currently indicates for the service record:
5:23
